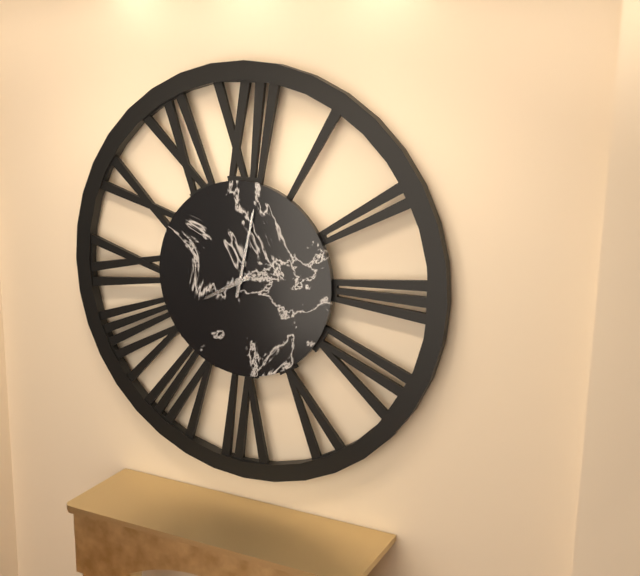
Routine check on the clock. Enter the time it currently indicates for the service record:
8:02
